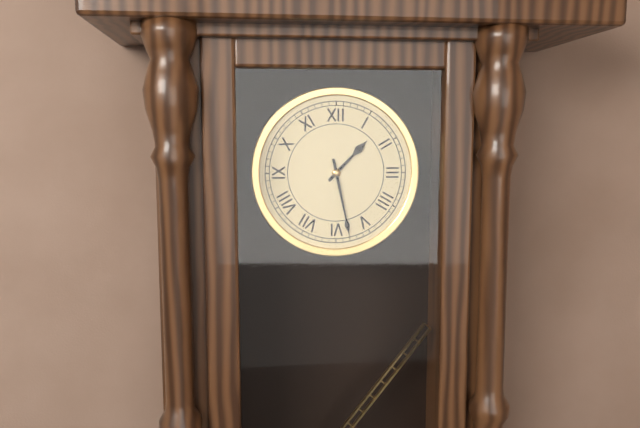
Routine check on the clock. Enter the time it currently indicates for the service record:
1:28
